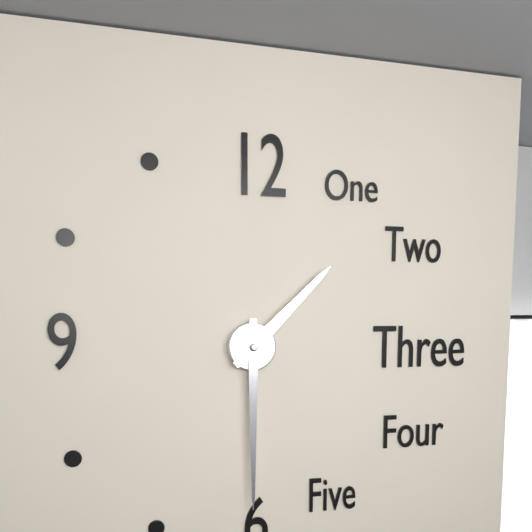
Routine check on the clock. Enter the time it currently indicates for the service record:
1:30
